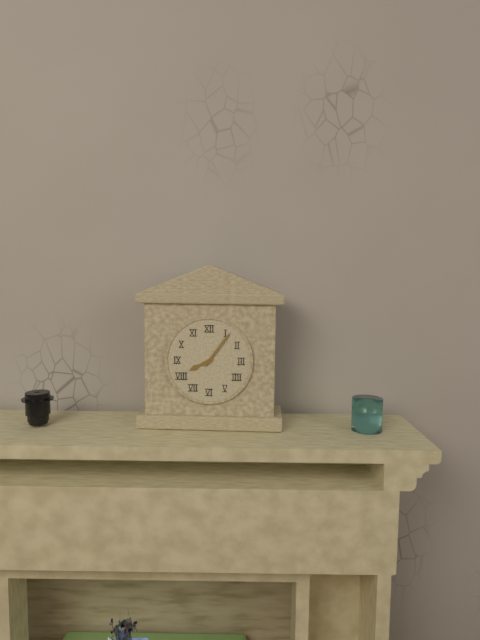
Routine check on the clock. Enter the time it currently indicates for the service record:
8:06
